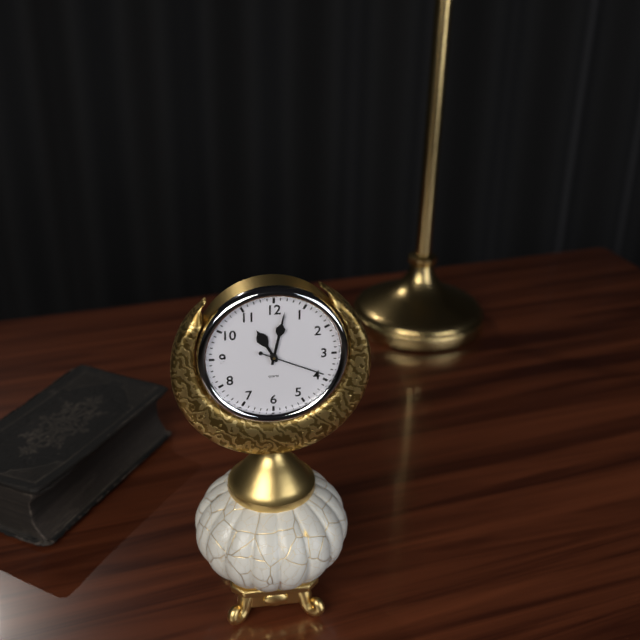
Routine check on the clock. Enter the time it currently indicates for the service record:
11:02:19
